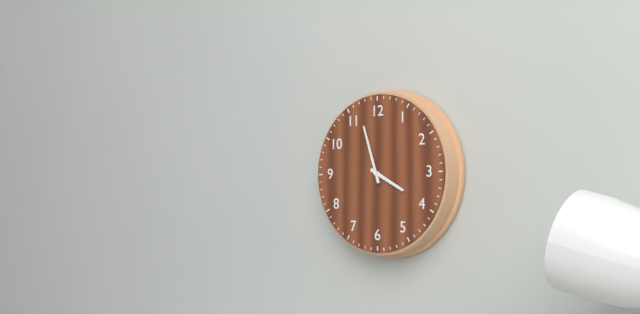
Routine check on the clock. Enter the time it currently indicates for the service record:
3:57
